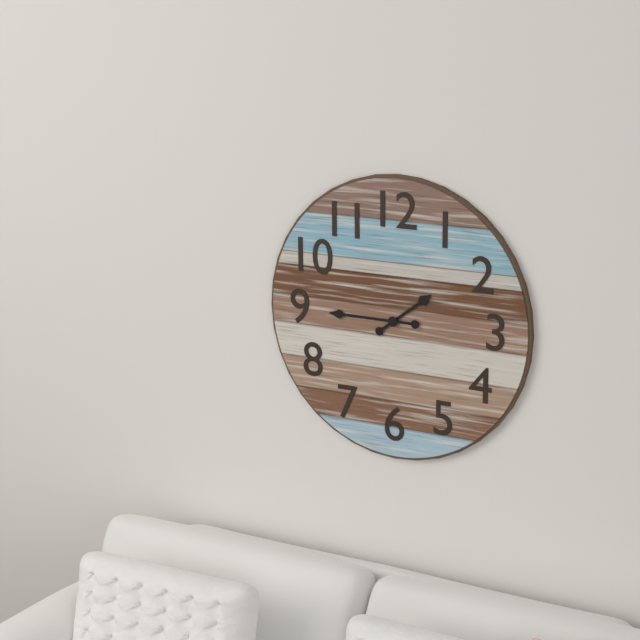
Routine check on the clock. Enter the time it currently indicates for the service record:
1:45
